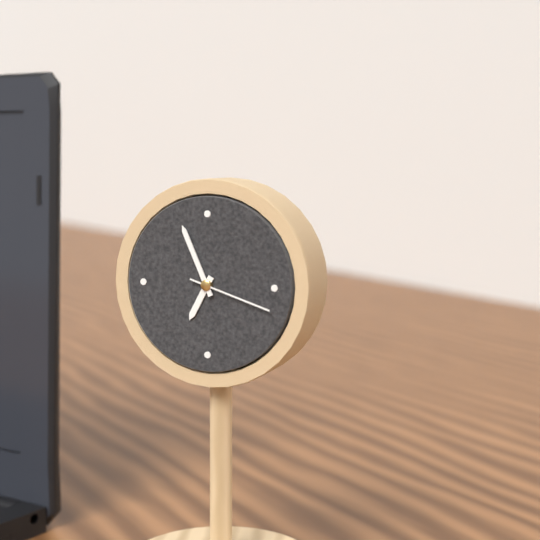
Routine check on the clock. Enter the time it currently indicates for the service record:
6:56:18
